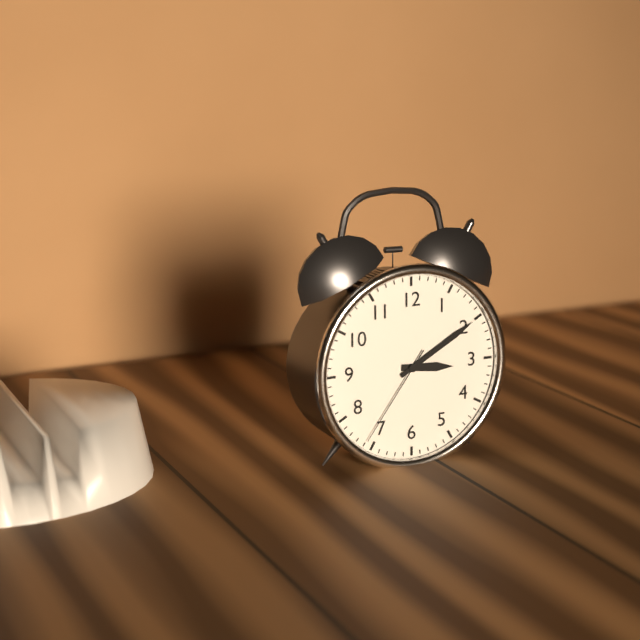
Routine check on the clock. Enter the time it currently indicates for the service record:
3:10:36
